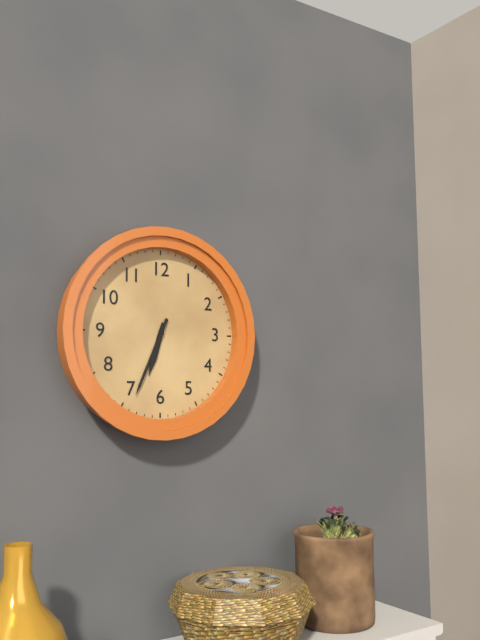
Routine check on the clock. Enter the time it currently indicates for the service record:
6:34
